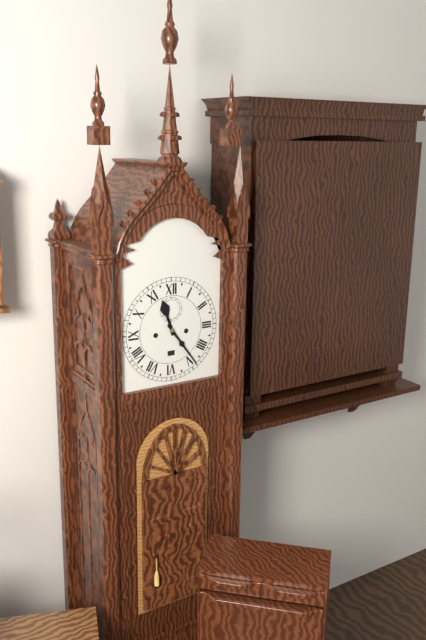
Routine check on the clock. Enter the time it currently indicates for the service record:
11:24
